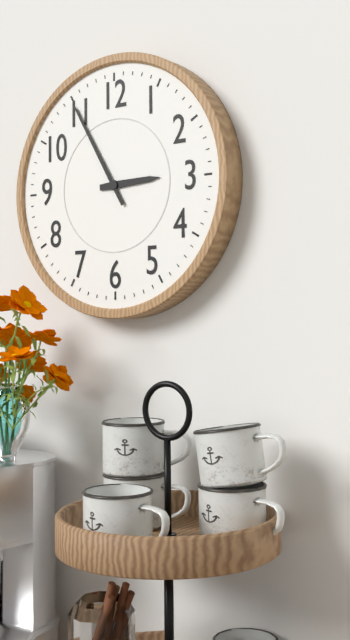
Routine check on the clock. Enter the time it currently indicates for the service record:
2:55
